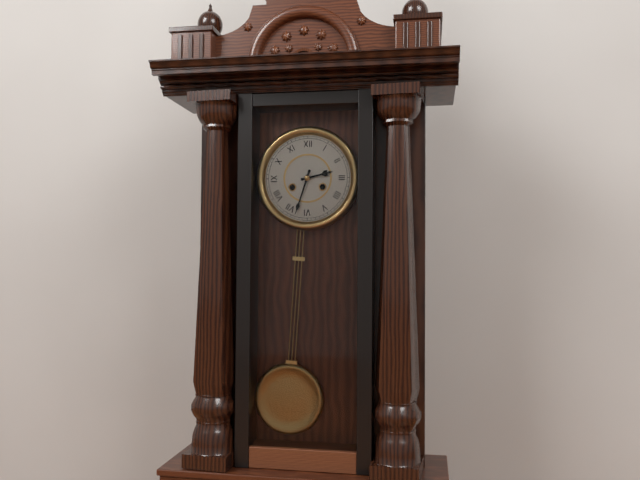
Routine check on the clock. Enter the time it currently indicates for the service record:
2:33
